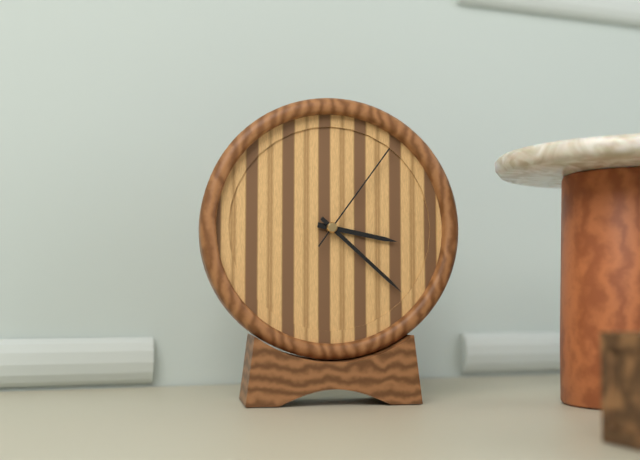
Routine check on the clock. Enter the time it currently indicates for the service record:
3:22:06
